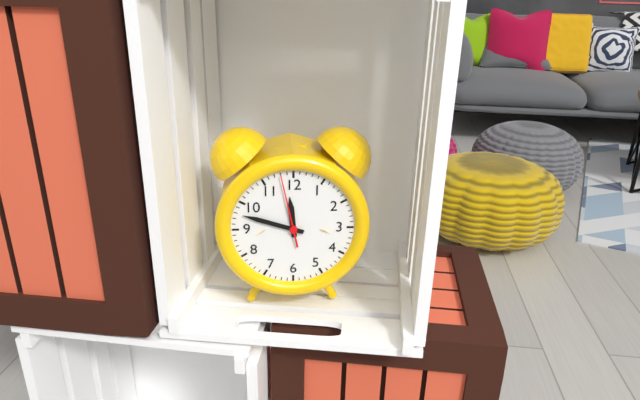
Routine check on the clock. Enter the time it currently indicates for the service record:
11:48:58
